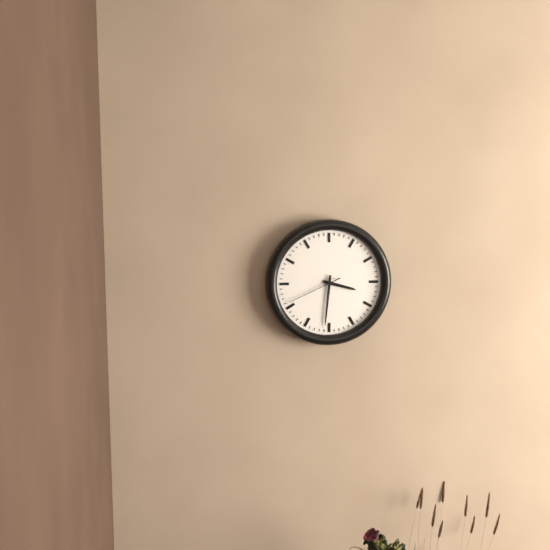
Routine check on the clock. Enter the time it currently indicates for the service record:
3:31:41
